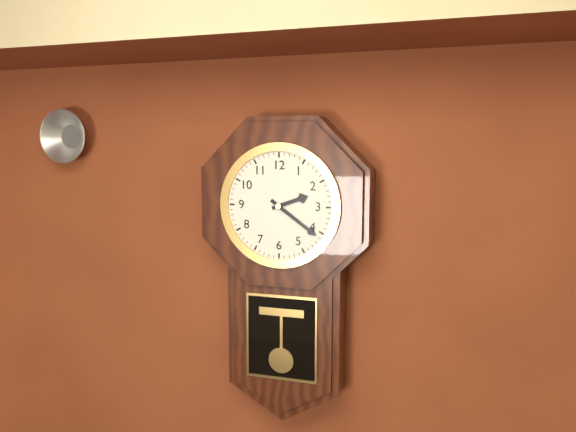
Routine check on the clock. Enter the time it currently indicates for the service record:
2:21
